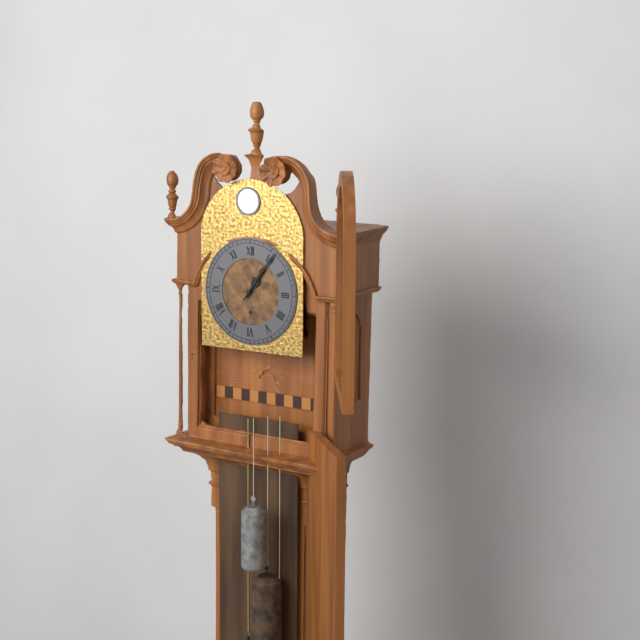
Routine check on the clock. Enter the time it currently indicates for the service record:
1:06
